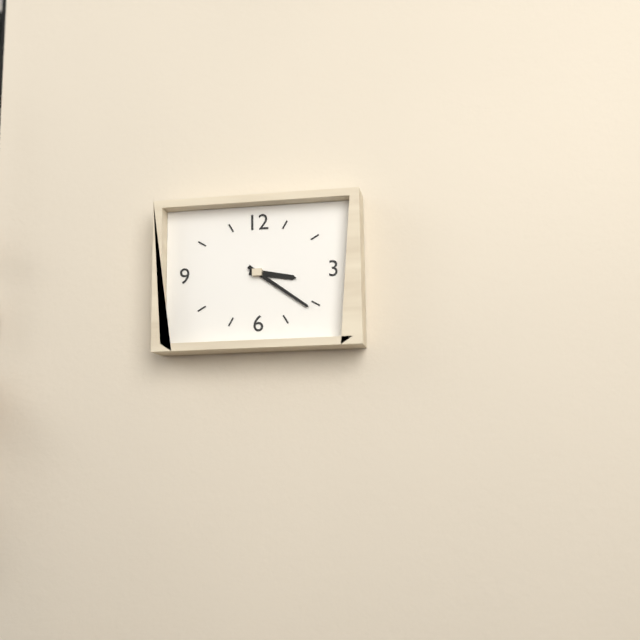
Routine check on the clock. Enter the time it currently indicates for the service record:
3:21
